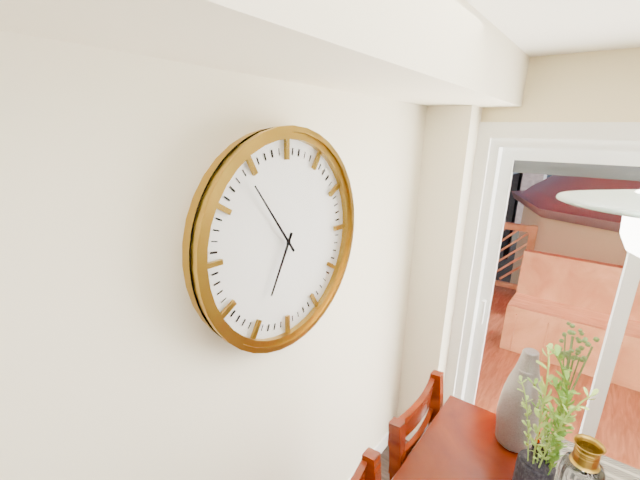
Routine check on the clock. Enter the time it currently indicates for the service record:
6:54
